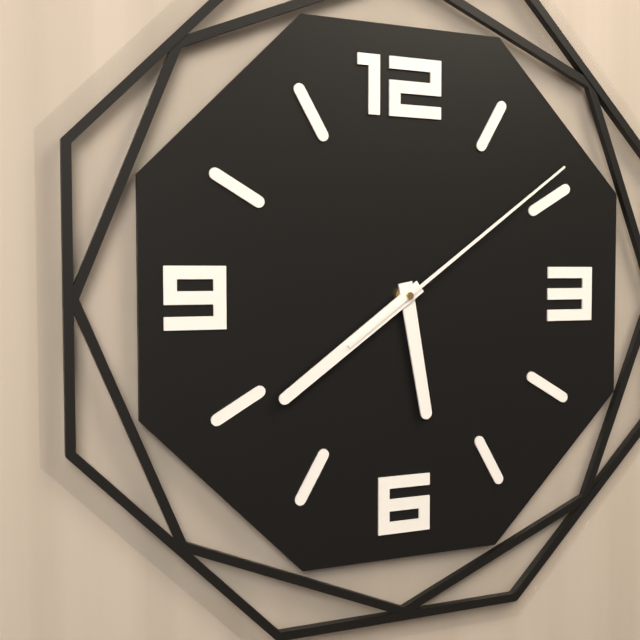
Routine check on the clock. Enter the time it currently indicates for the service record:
5:39:09
